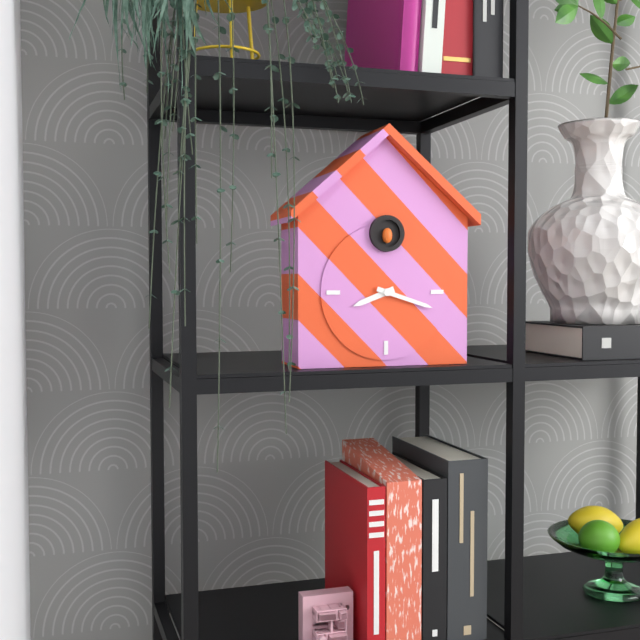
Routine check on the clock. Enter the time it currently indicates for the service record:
8:18
